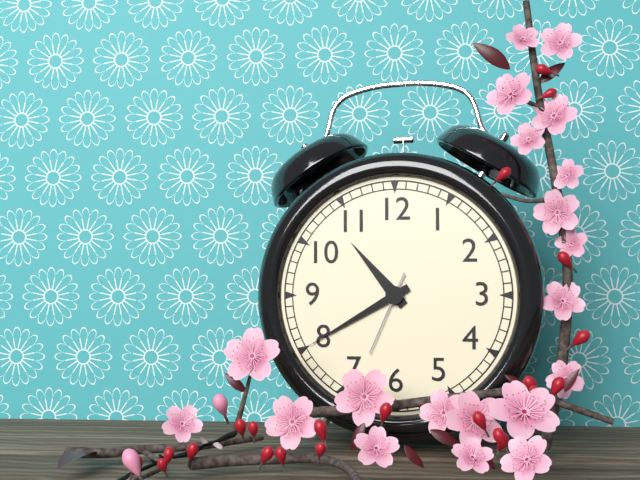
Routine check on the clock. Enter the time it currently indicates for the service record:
10:40:34
